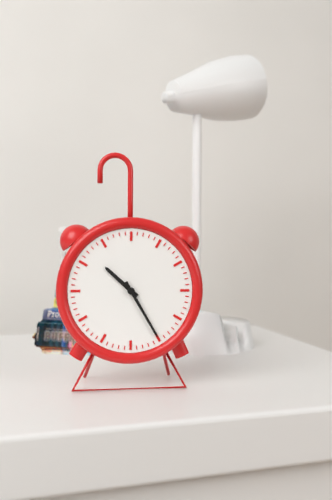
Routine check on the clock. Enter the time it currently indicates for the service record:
10:25
